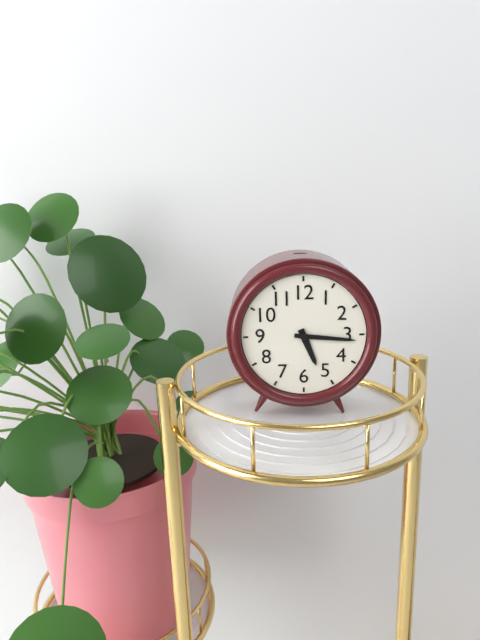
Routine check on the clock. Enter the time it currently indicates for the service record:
5:16
